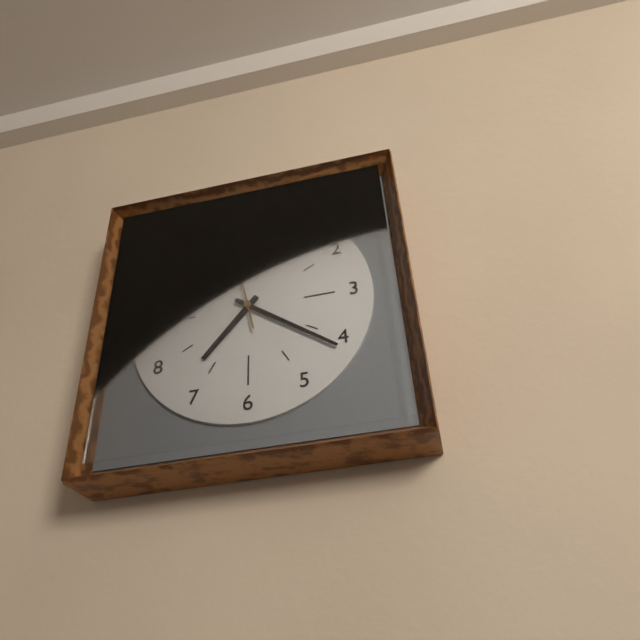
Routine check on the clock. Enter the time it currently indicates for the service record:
7:21:58
